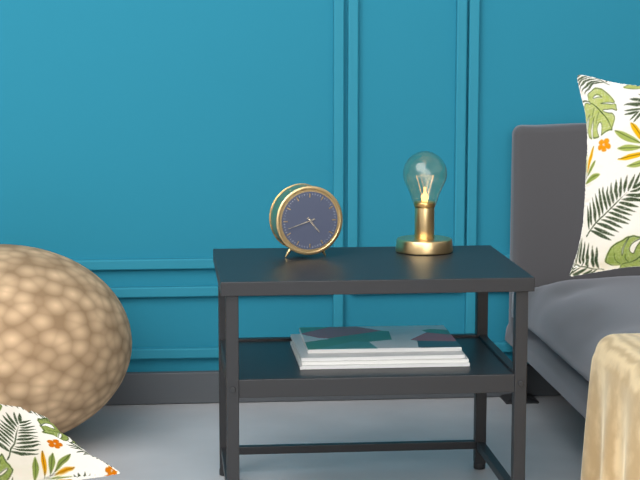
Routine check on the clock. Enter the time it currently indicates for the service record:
4:42
